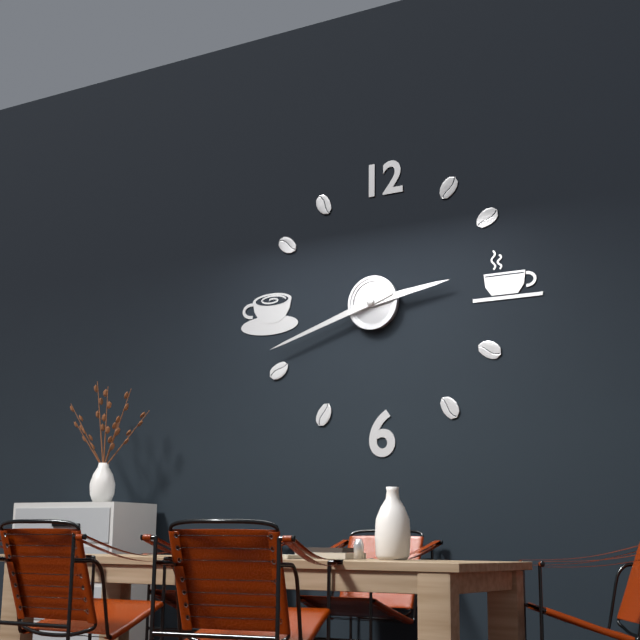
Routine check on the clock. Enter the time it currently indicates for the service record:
2:42
